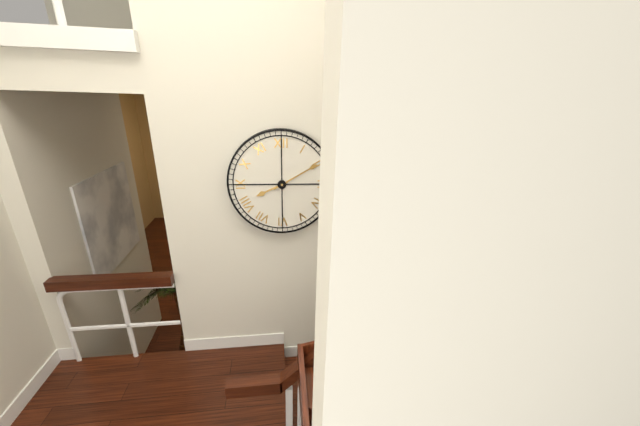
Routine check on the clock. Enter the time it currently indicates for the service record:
8:10
